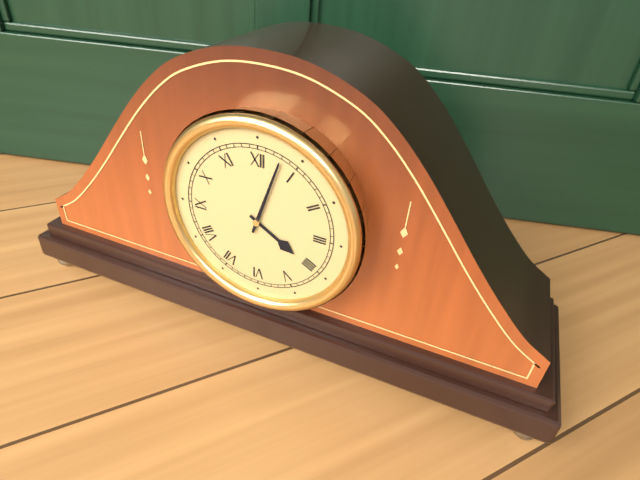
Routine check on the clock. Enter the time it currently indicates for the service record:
4:03
